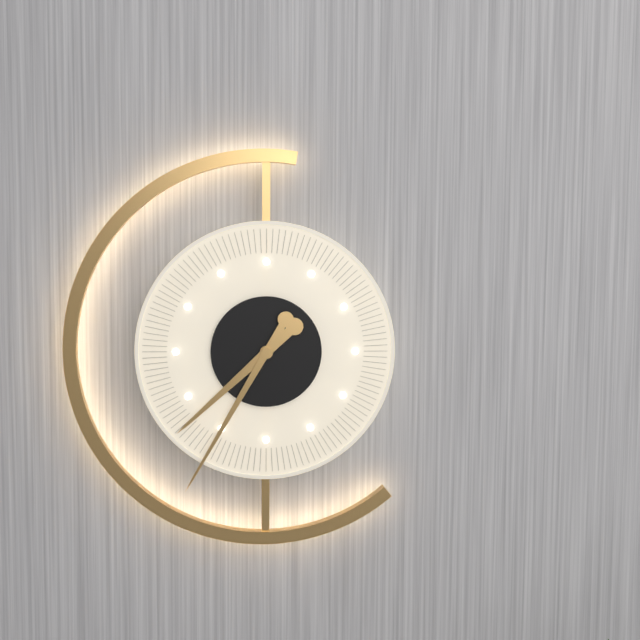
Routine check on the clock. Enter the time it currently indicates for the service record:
7:35
